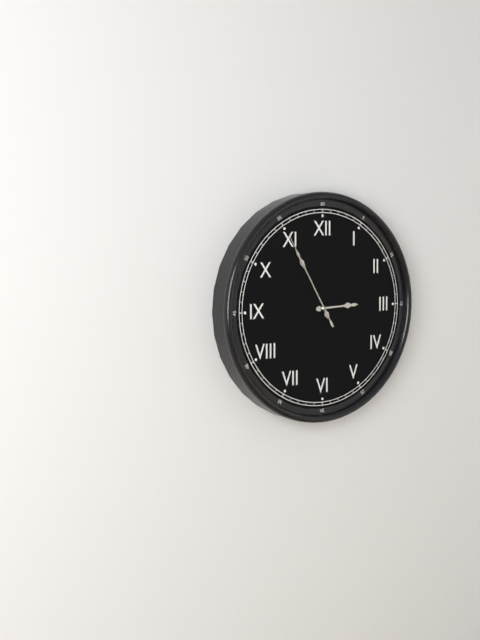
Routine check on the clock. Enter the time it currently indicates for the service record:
2:55:55
